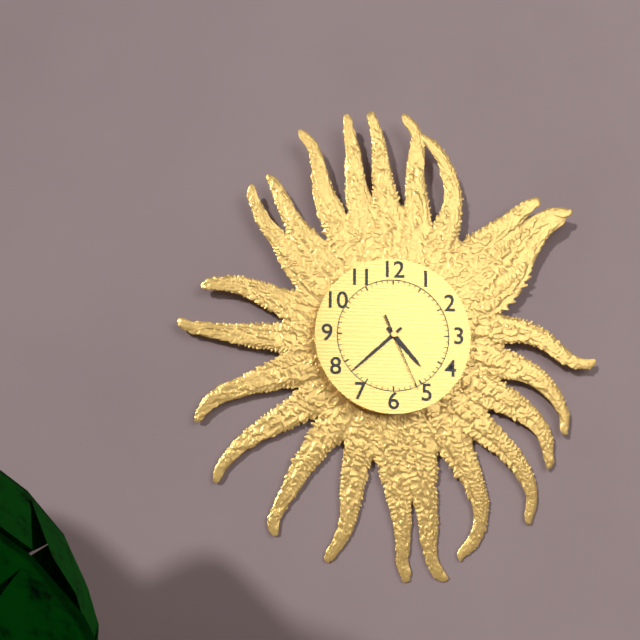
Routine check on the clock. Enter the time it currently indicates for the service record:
4:38:26
